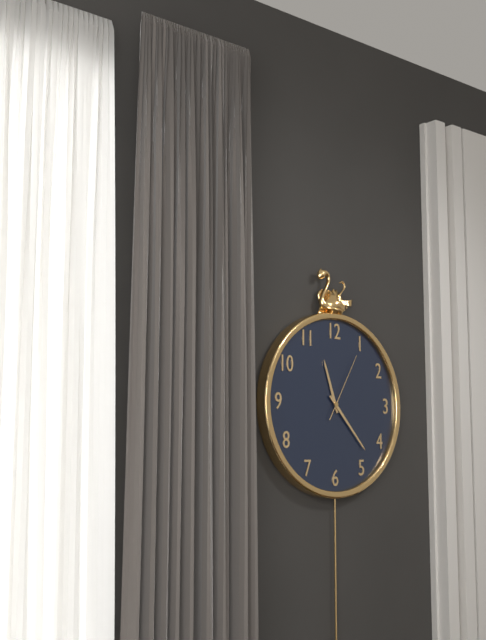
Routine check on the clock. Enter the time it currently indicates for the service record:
11:23:05
